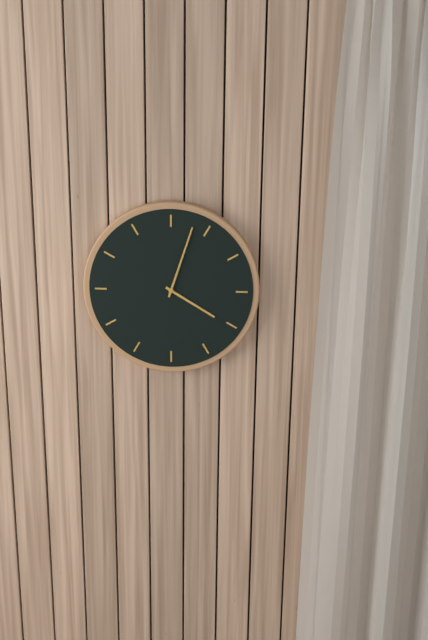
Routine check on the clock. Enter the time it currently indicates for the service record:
4:03
